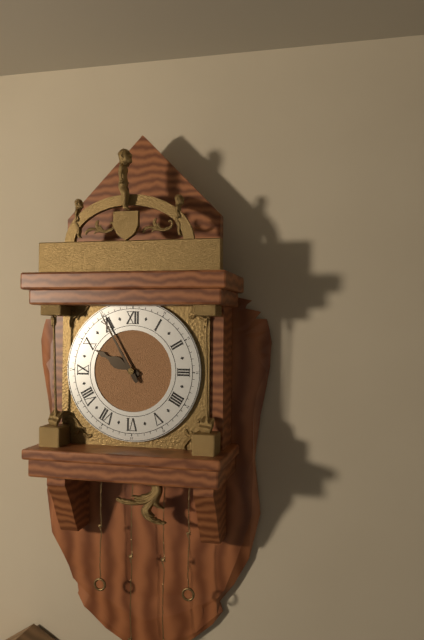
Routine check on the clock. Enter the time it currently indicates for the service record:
9:55
